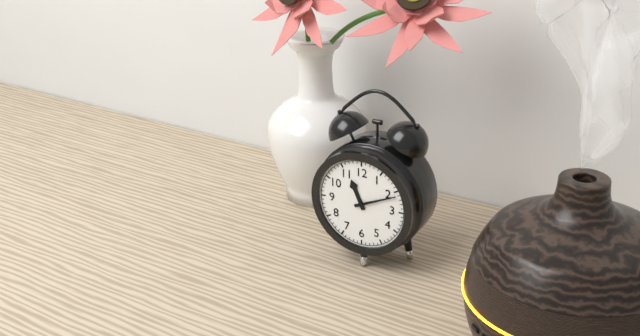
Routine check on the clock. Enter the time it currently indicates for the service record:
11:11
